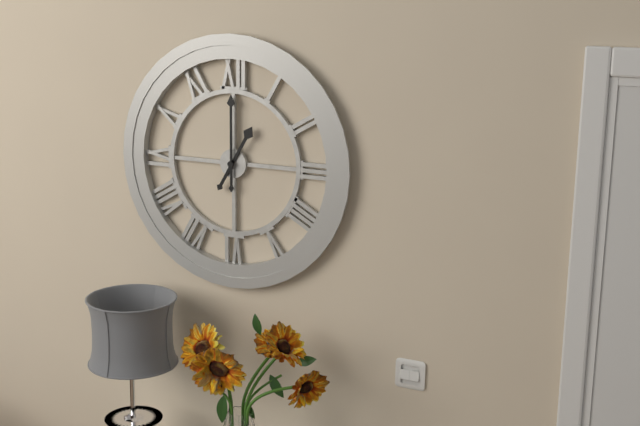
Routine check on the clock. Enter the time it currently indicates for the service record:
1:00
